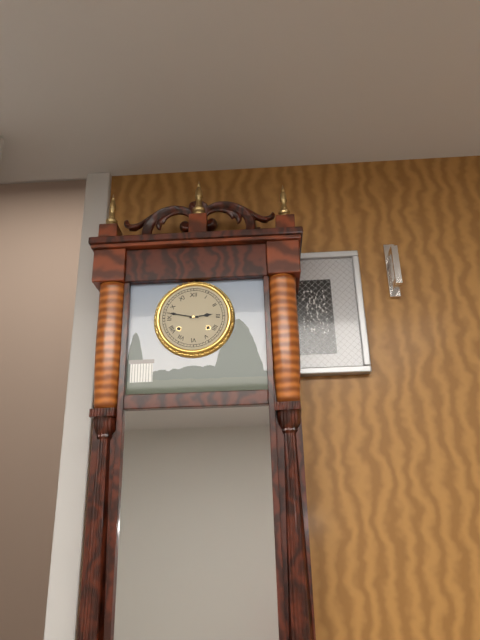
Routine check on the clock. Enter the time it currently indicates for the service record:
2:47
